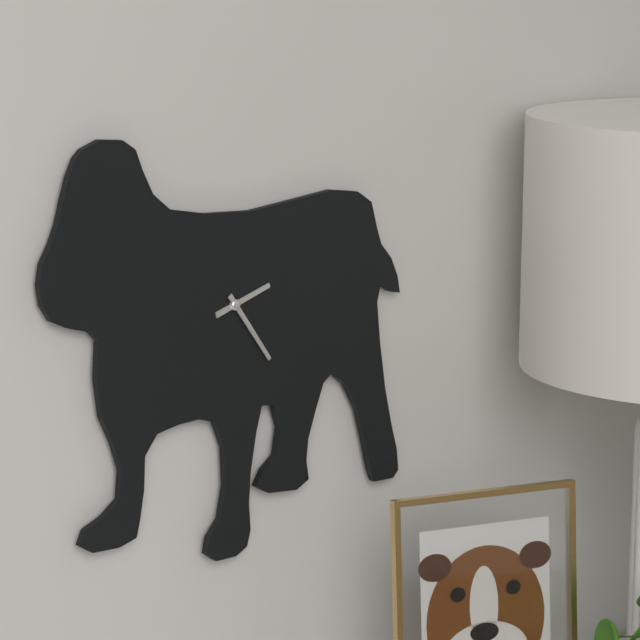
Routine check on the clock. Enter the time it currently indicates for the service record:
2:24
